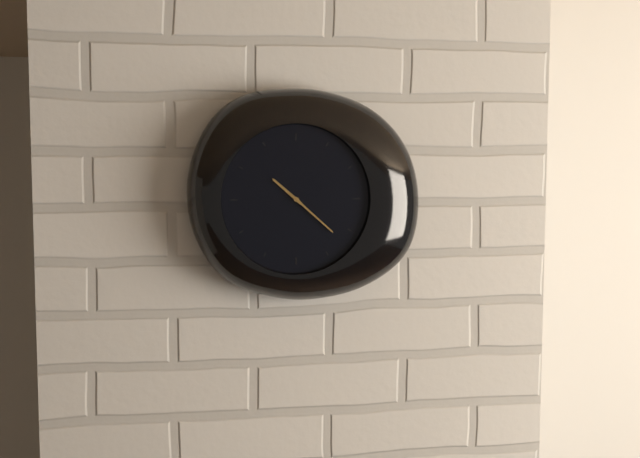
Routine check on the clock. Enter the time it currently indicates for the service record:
10:22
